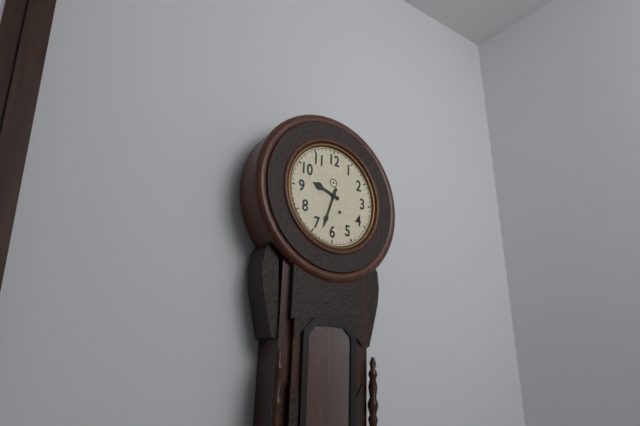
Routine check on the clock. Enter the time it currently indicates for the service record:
9:33
